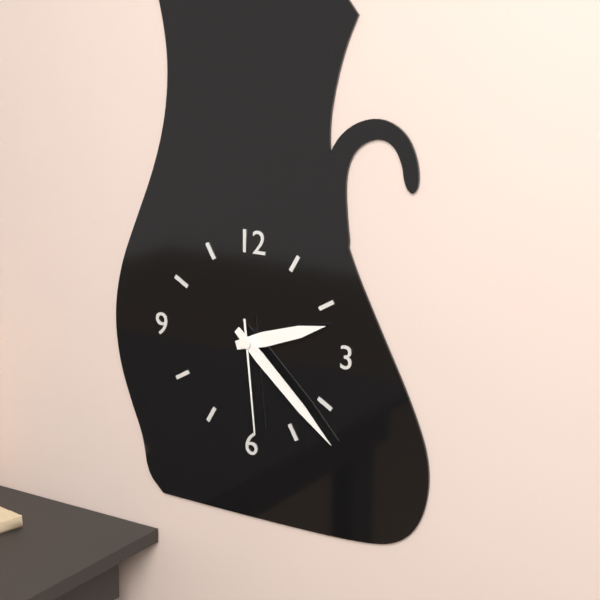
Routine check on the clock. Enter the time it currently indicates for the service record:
2:22:29
